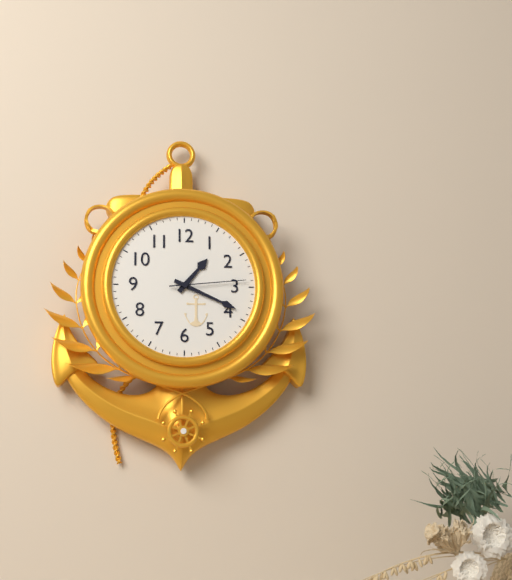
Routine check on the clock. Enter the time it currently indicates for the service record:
1:19:14
